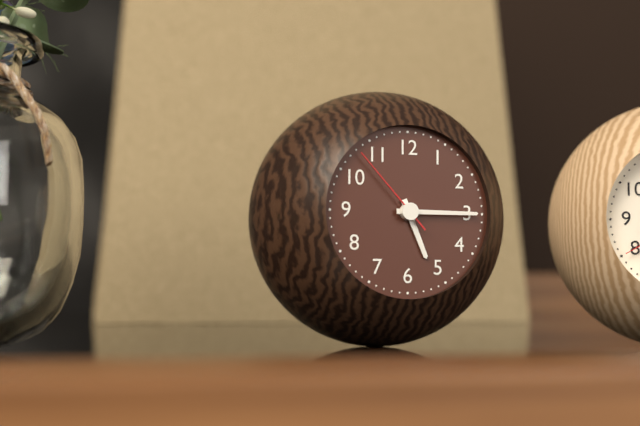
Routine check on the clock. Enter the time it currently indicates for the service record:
5:15:53
